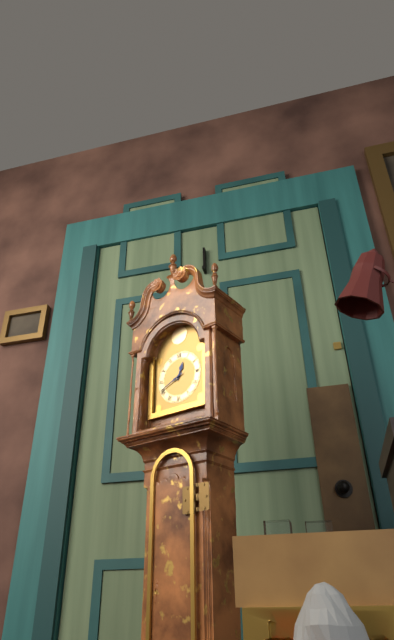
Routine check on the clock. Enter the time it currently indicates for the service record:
12:41
